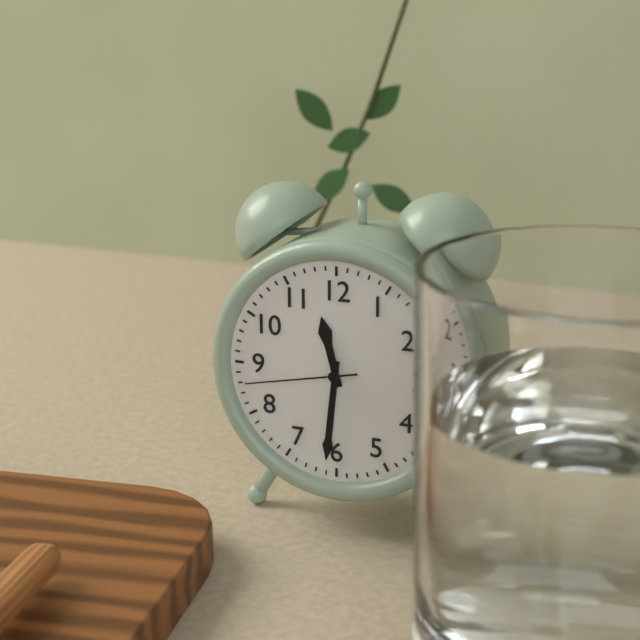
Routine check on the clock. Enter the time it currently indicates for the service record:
11:31:43
